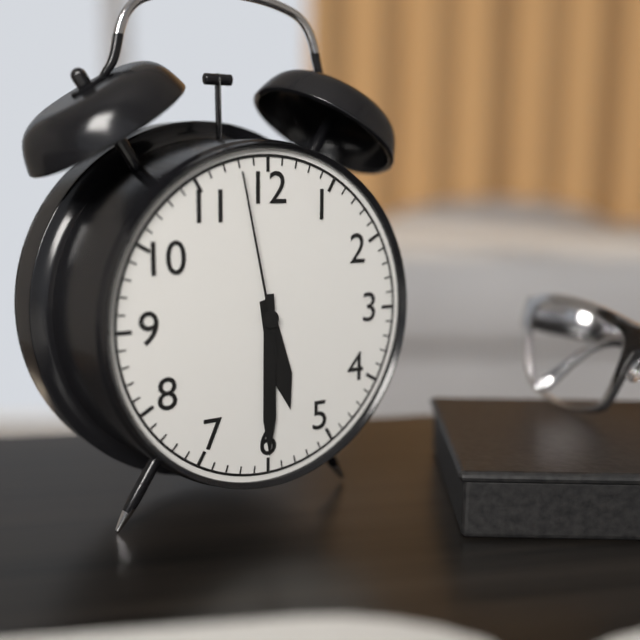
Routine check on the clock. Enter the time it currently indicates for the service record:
5:30:58
